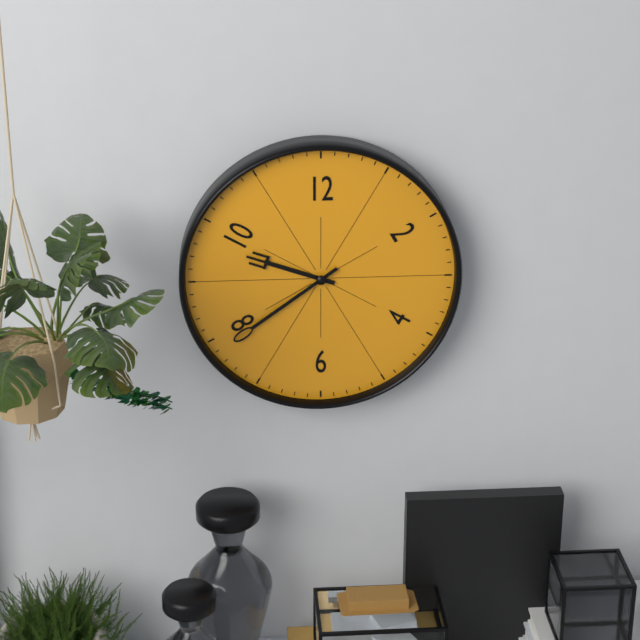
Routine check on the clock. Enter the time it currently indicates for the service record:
9:39
